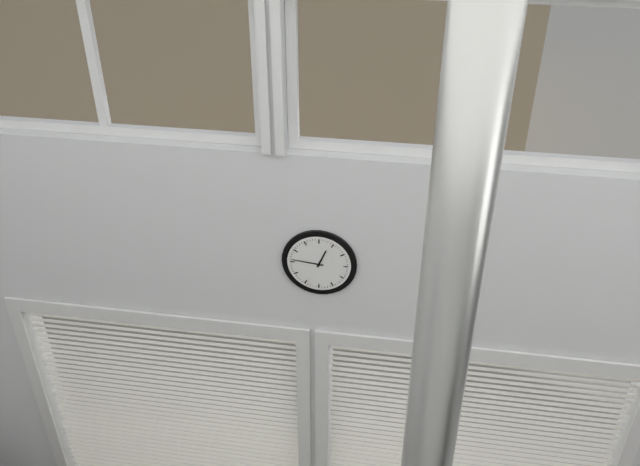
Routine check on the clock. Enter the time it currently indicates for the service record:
12:46
